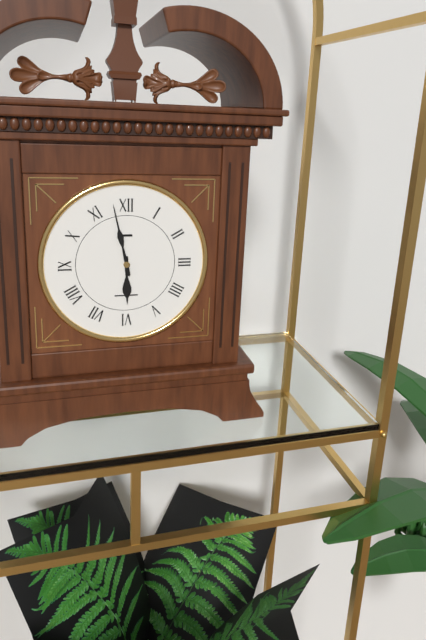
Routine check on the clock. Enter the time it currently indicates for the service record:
5:58
